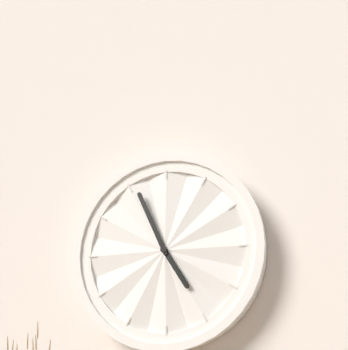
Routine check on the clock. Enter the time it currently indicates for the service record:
4:56
